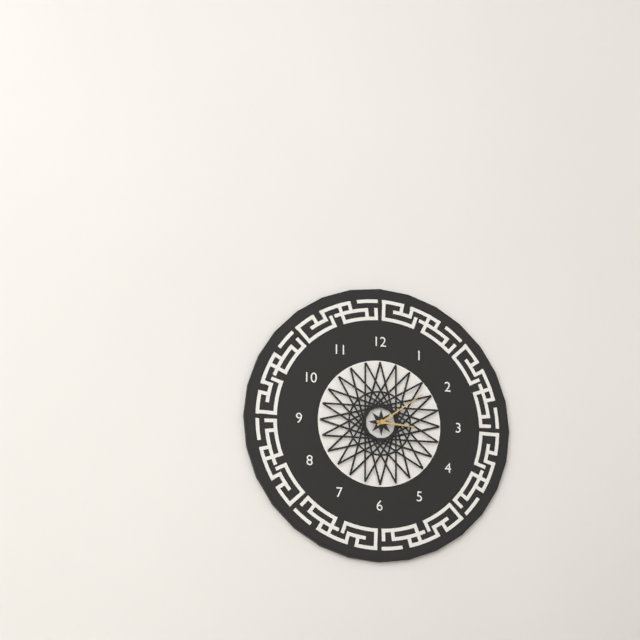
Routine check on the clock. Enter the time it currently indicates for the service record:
3:09
